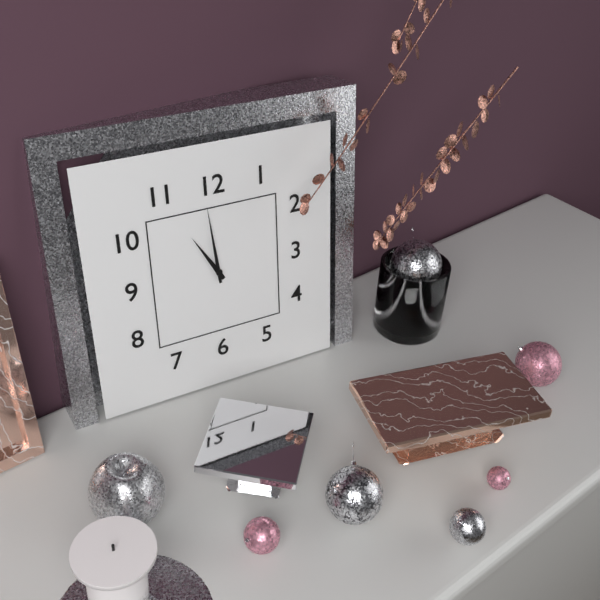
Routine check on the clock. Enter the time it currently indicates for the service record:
10:59
